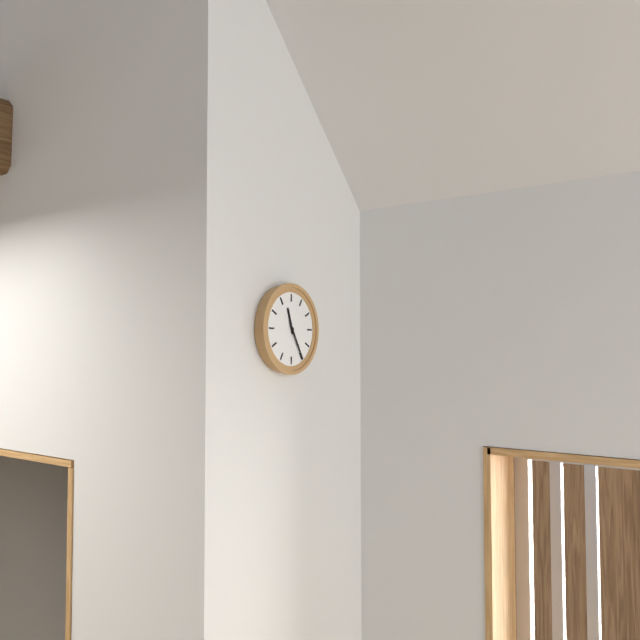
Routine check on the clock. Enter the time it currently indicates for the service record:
11:25
